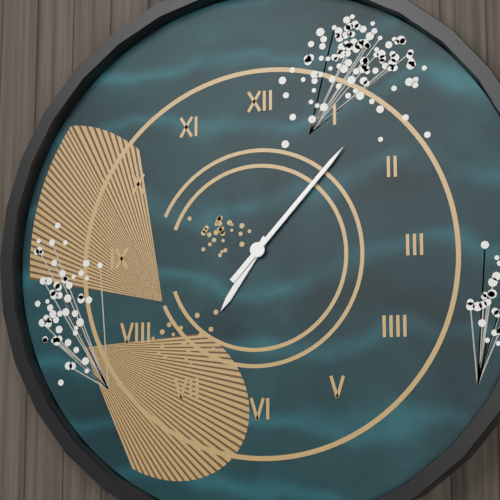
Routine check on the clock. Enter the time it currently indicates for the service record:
7:07
